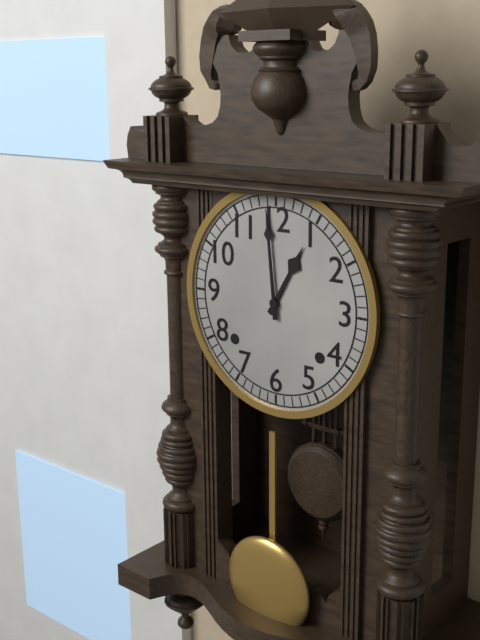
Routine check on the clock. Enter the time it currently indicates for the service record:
12:59
